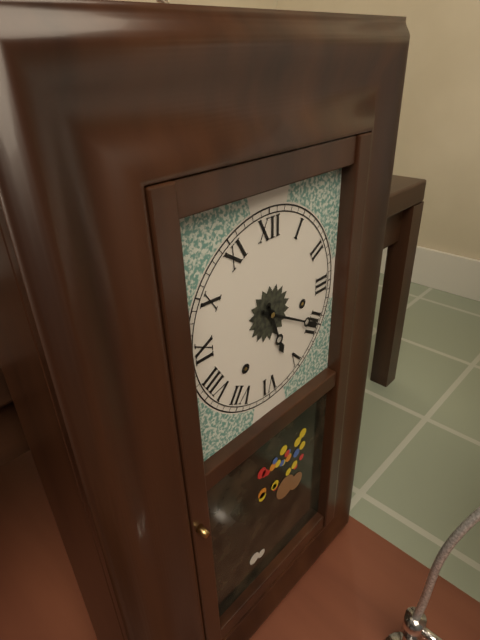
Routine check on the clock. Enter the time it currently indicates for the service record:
5:20
